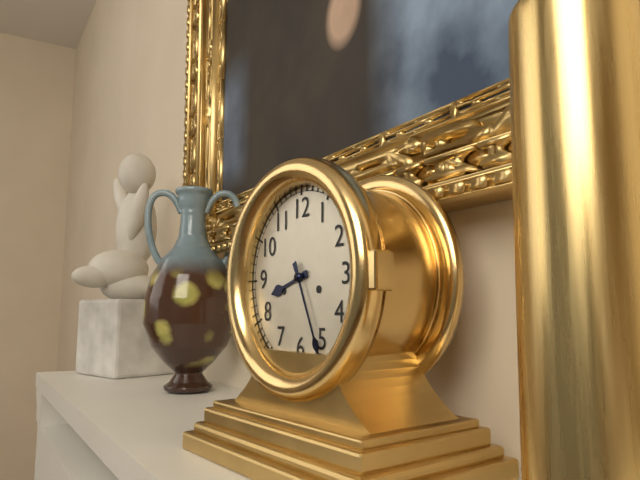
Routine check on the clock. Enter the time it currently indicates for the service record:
8:26
